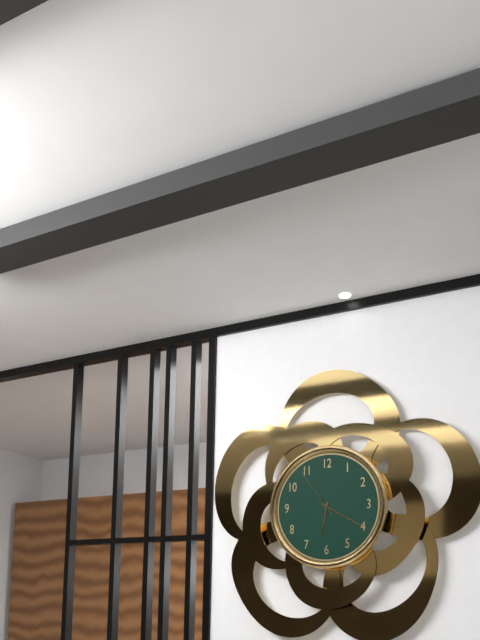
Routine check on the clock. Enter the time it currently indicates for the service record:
6:20:54
